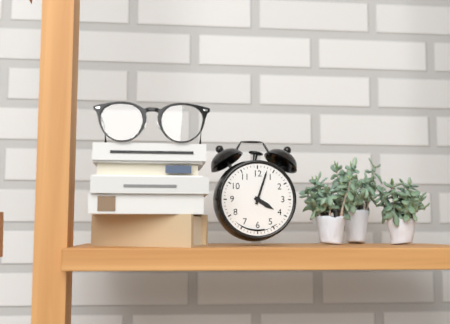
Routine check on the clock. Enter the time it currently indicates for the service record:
4:03
